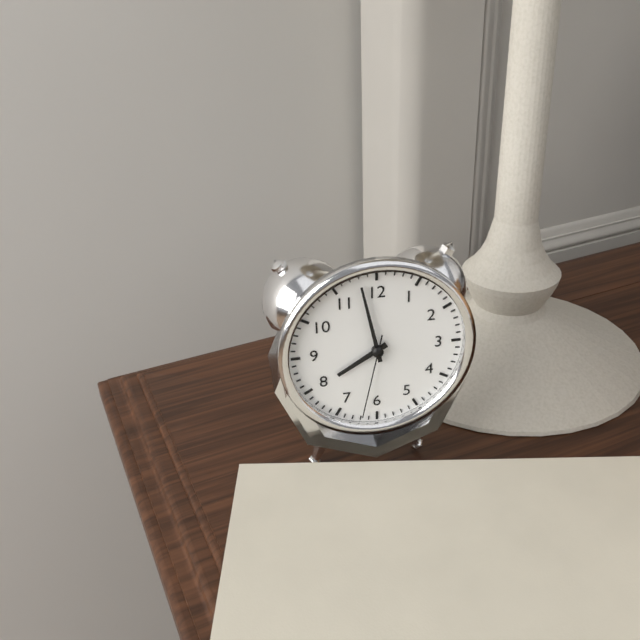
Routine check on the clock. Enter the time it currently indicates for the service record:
7:58:32
